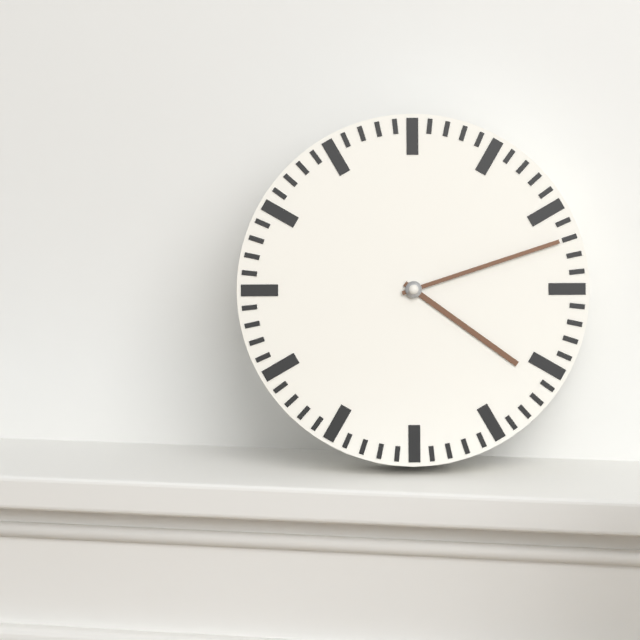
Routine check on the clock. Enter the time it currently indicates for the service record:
4:12
